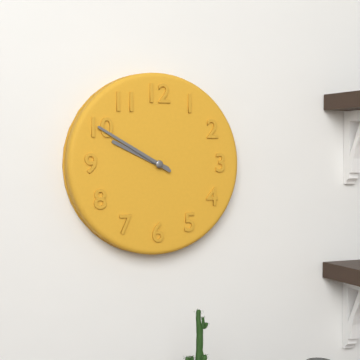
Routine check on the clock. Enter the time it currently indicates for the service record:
9:50
